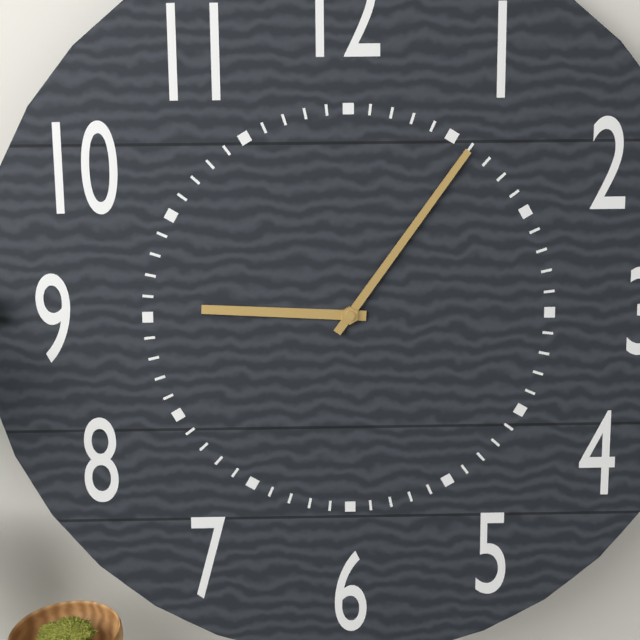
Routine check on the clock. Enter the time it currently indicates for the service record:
9:06
